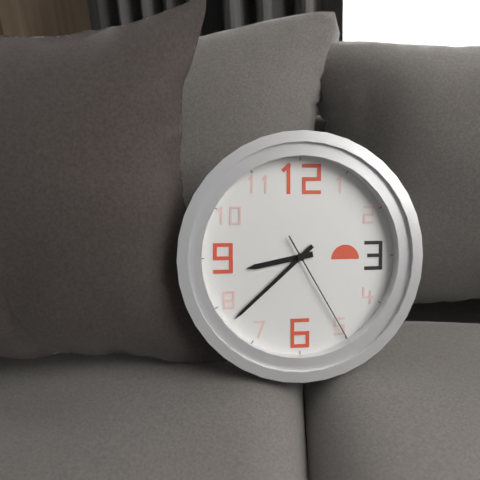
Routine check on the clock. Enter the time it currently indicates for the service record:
8:38:25
